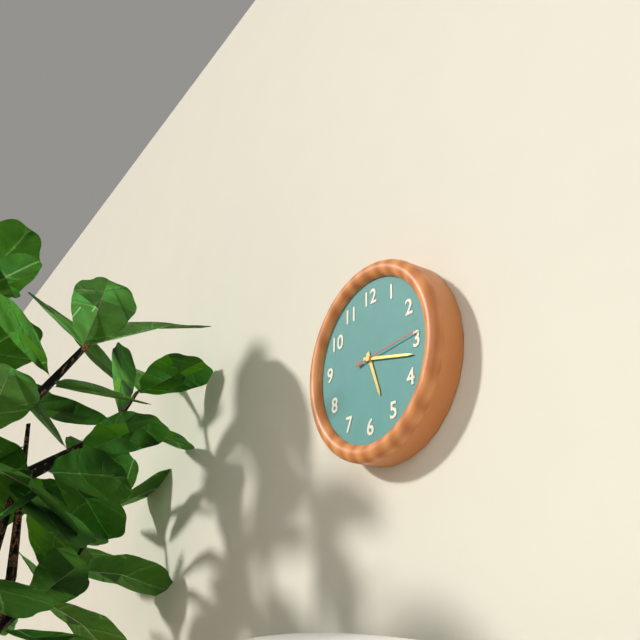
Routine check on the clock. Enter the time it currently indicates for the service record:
5:17:14
